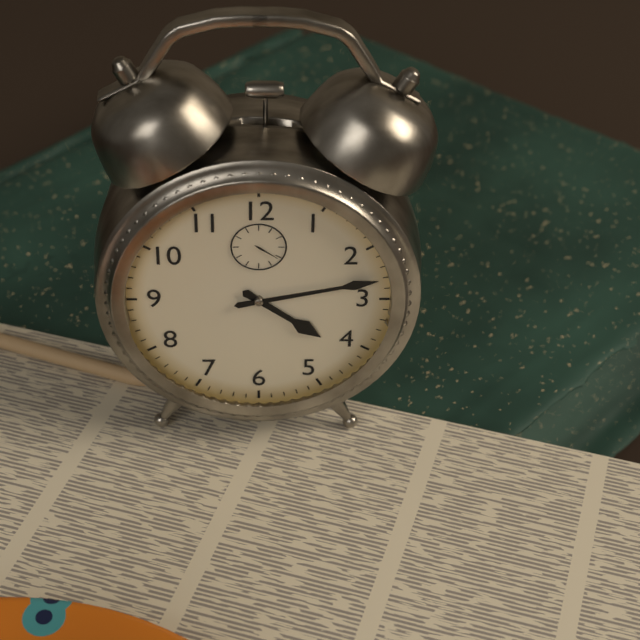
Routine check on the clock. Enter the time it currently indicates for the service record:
4:13
